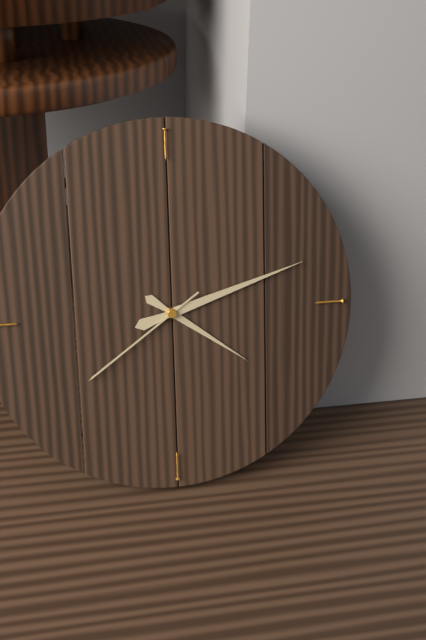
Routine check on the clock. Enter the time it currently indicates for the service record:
4:12:39
